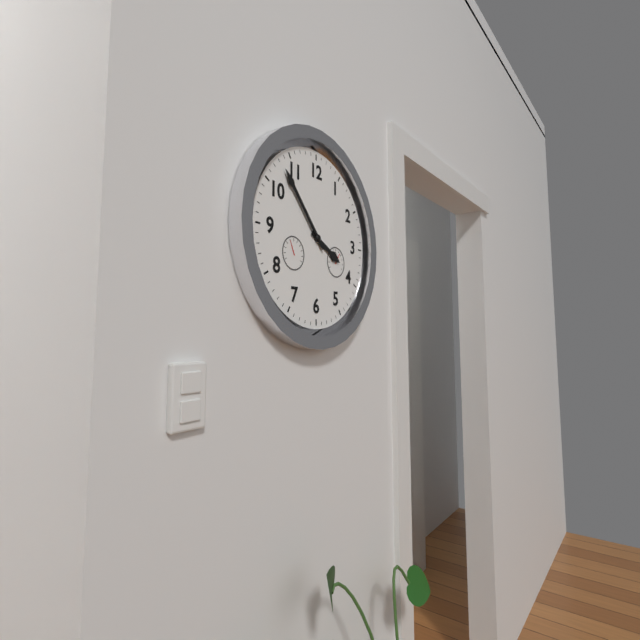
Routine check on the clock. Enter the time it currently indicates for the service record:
3:53
